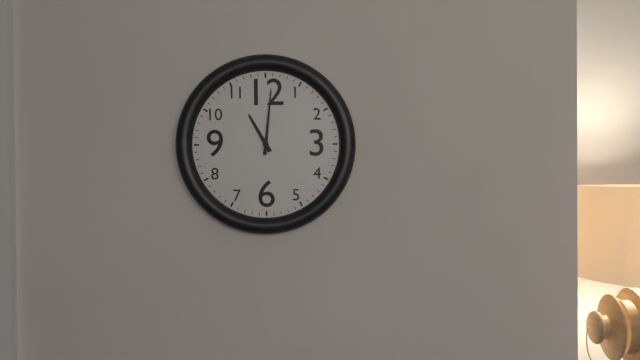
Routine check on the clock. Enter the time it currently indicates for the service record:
11:01
